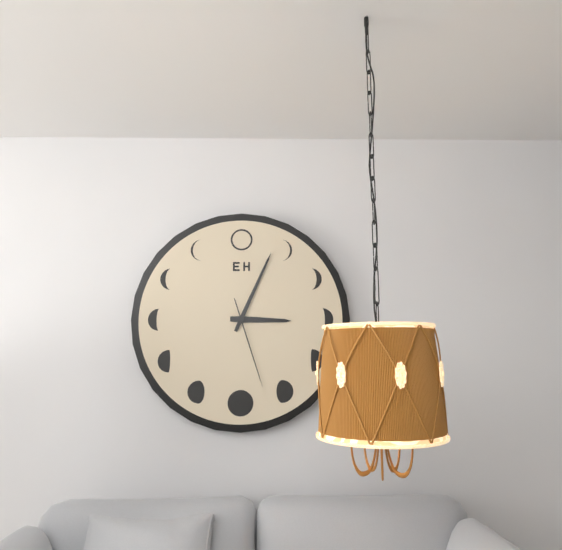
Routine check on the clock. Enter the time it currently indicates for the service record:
3:04:27
